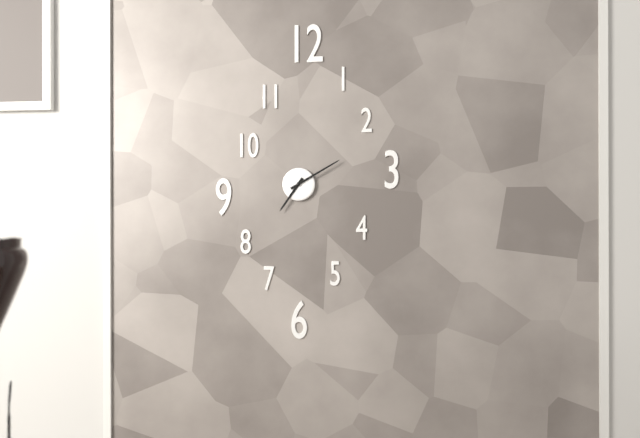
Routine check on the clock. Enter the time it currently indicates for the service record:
7:10
